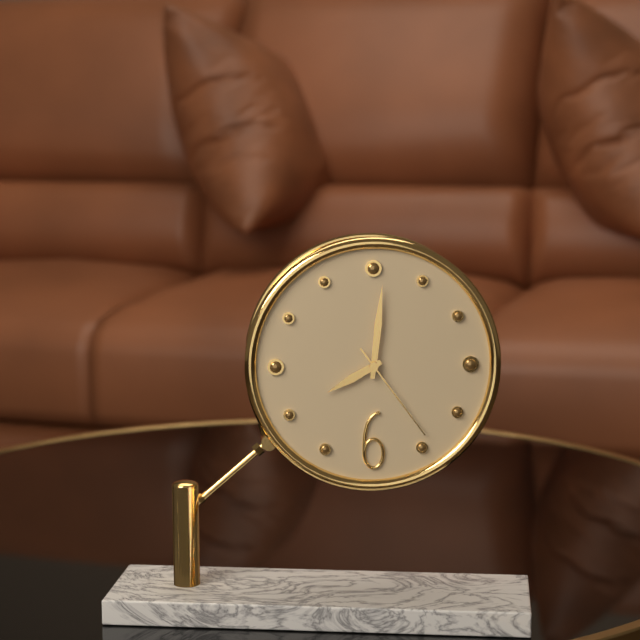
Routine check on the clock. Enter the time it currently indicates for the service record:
8:01:24
